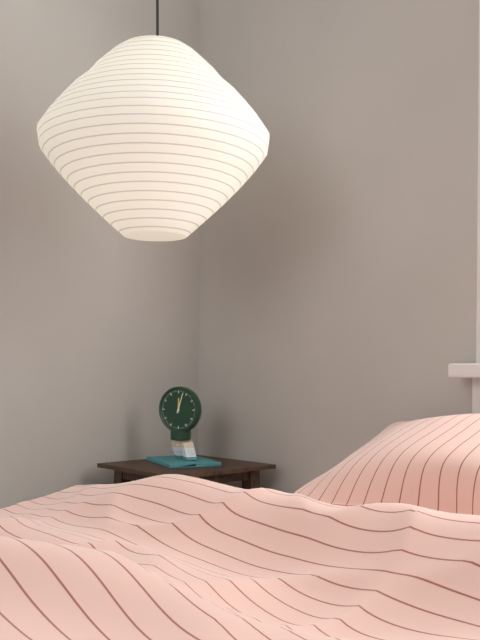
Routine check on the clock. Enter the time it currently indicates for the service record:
12:03
